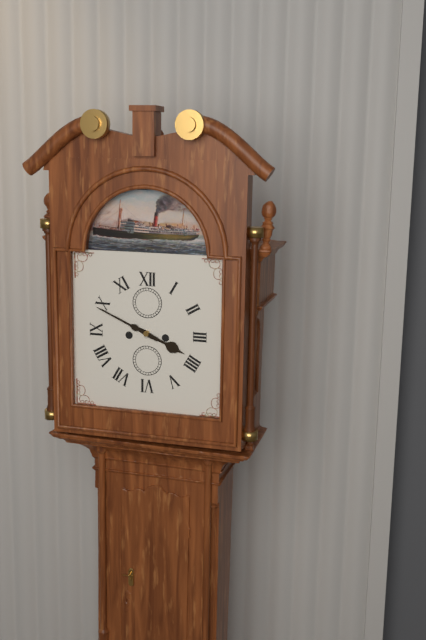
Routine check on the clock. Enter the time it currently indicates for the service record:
3:49
